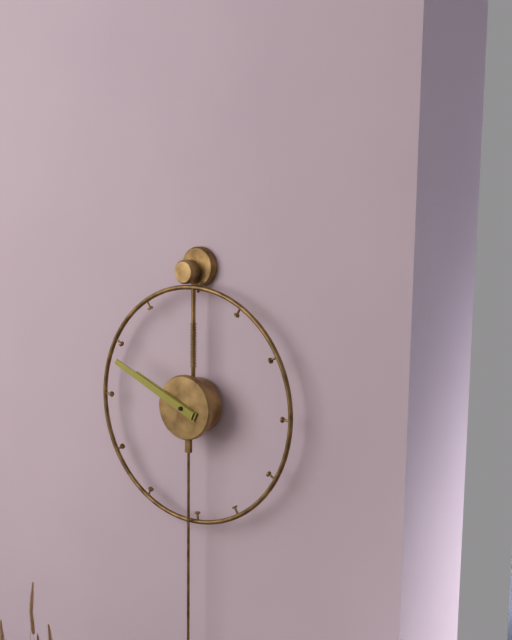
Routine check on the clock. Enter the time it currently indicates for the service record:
9:49
